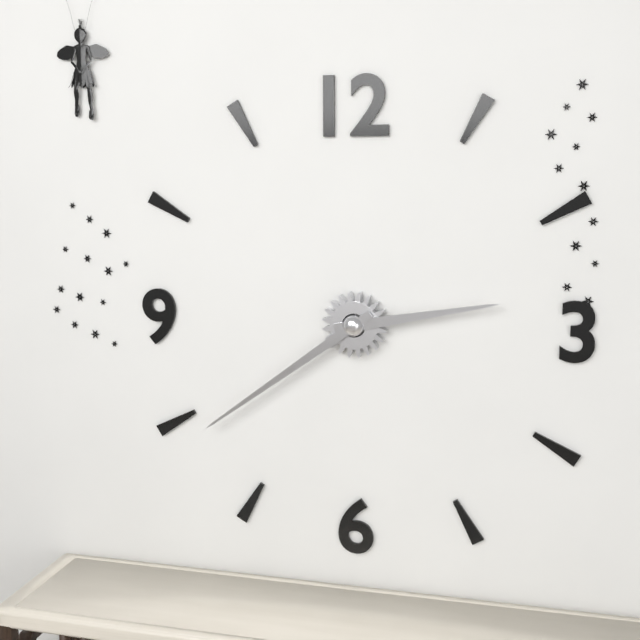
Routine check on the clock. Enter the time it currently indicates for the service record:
2:39
